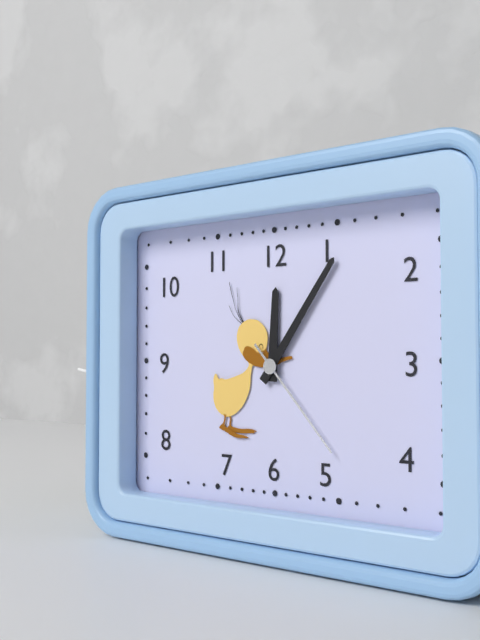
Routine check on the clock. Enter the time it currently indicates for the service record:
12:06:23
